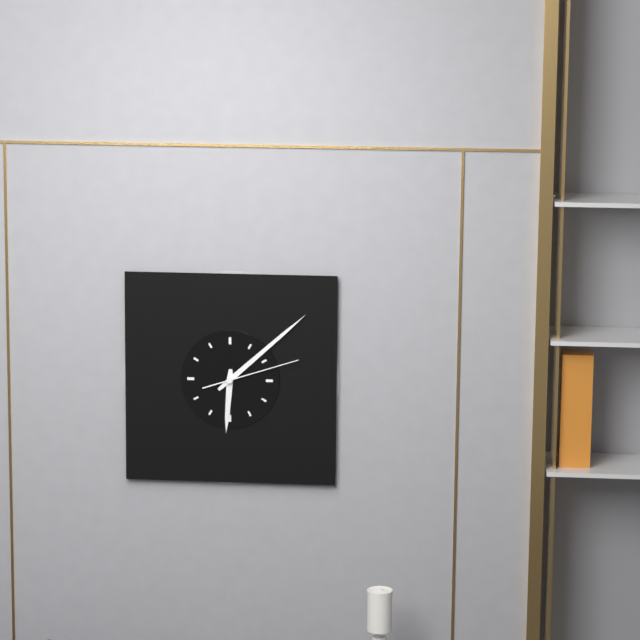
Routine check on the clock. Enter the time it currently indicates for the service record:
6:08:12
